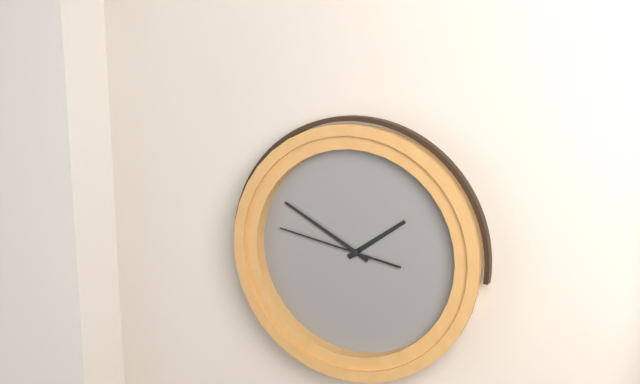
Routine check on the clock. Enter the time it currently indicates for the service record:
1:50:47
